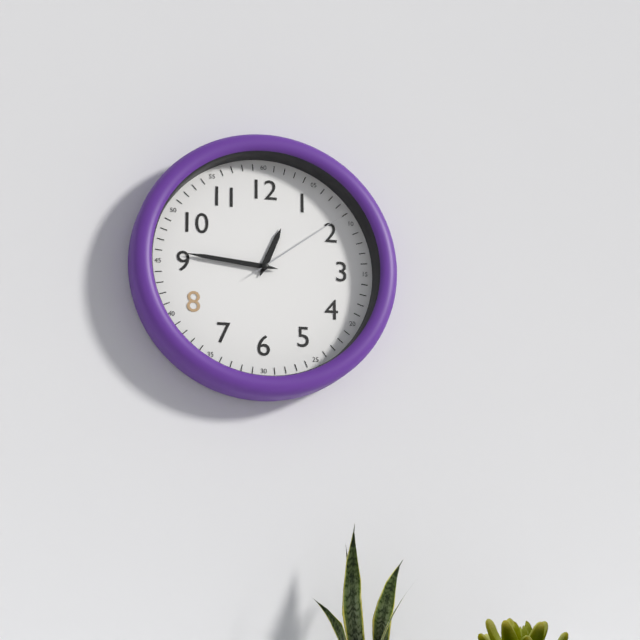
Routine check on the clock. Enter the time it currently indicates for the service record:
12:46:09
